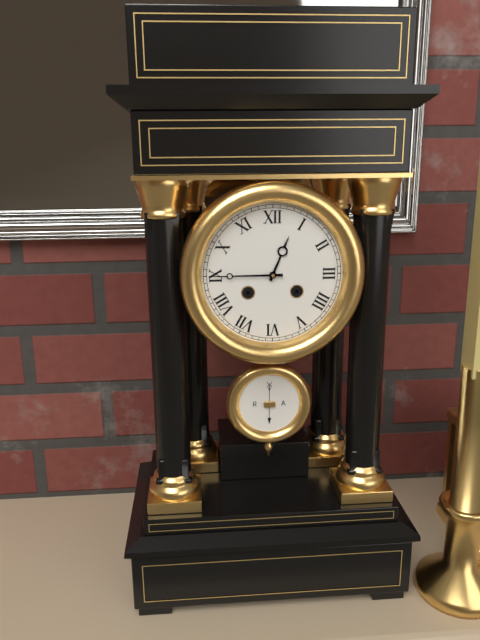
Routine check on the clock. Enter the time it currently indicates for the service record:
12:45
